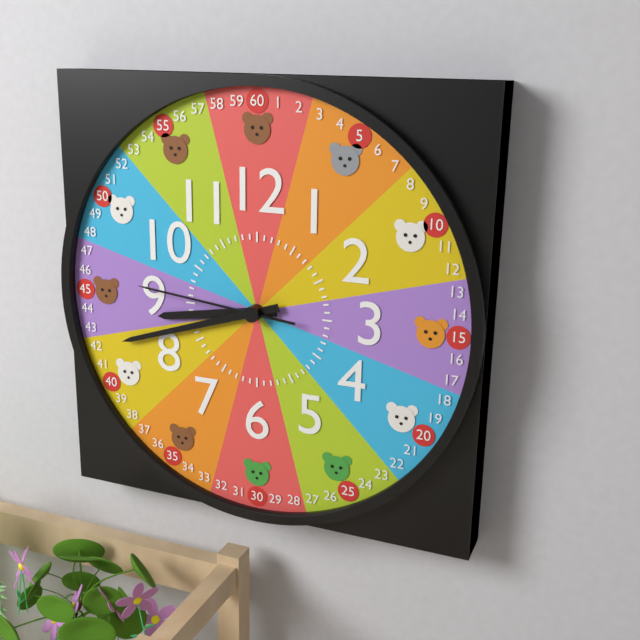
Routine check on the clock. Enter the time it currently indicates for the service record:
8:42:46
